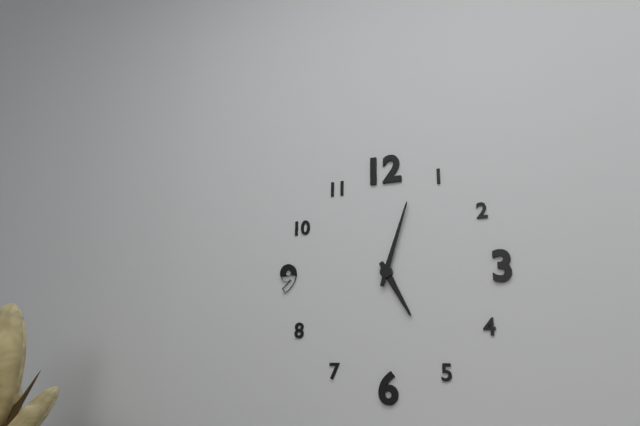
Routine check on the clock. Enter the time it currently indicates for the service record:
5:03
